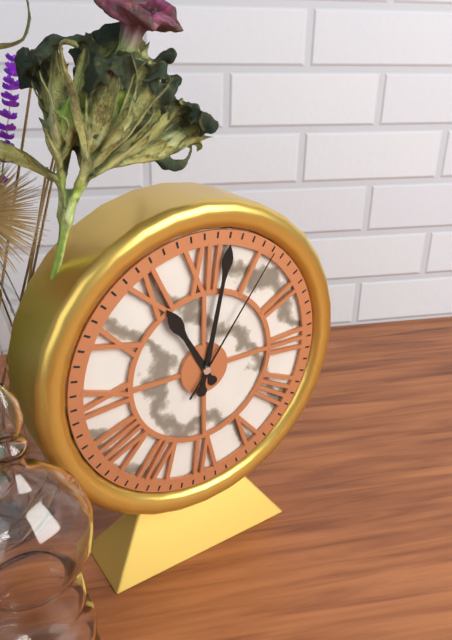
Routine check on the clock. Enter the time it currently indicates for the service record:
11:02:06
